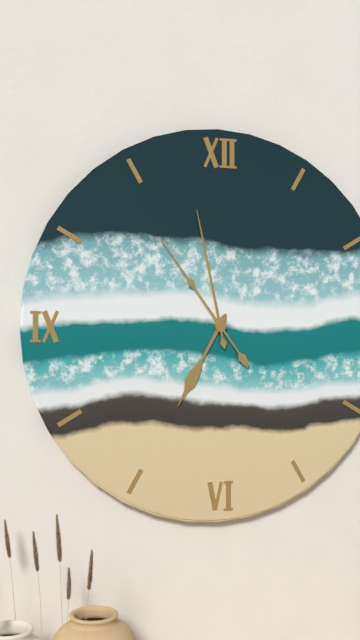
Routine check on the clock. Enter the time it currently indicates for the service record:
6:58:54
